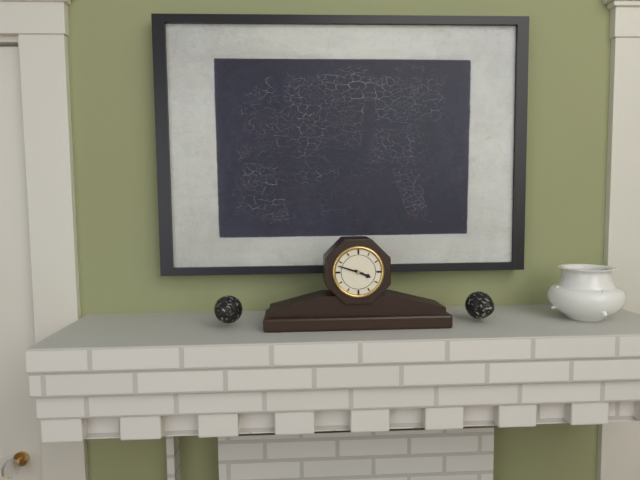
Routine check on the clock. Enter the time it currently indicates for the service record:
3:48
